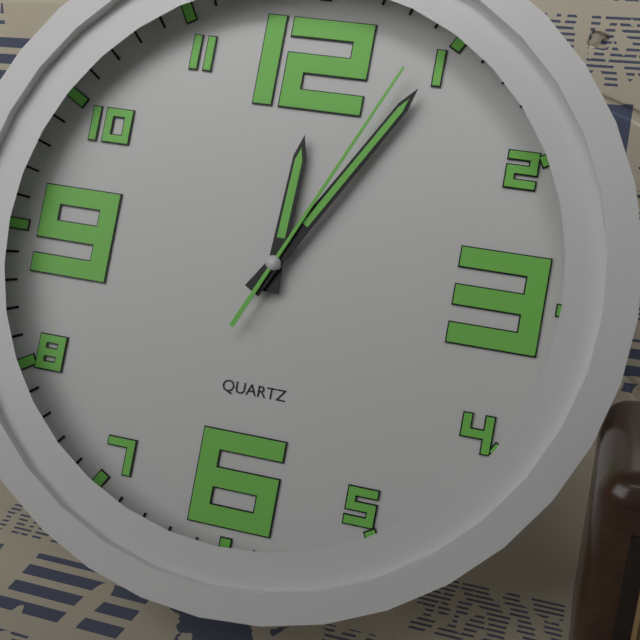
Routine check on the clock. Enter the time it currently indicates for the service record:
12:05:04
